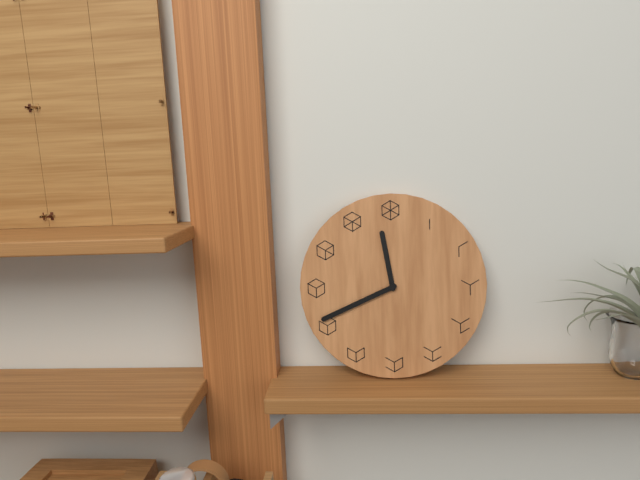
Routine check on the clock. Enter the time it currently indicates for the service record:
11:41
